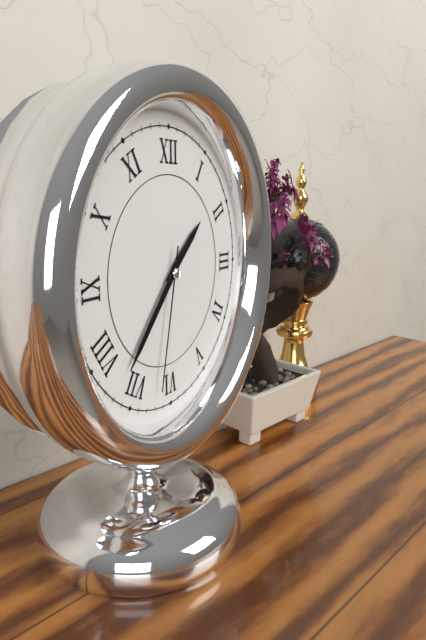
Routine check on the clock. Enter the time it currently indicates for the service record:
1:37:32
